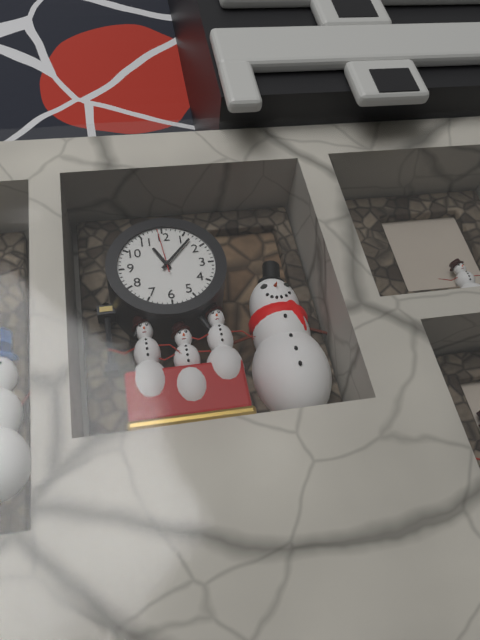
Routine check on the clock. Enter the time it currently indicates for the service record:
11:07
